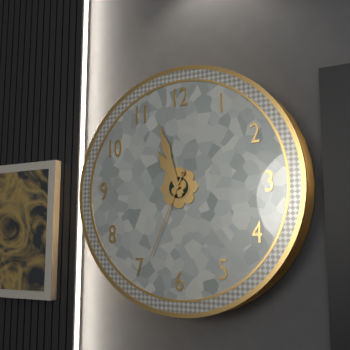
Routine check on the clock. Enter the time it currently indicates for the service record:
10:57:34
